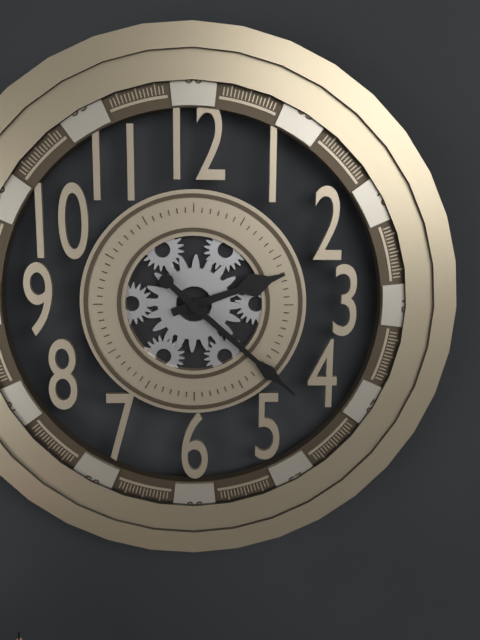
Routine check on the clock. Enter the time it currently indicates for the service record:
2:22
